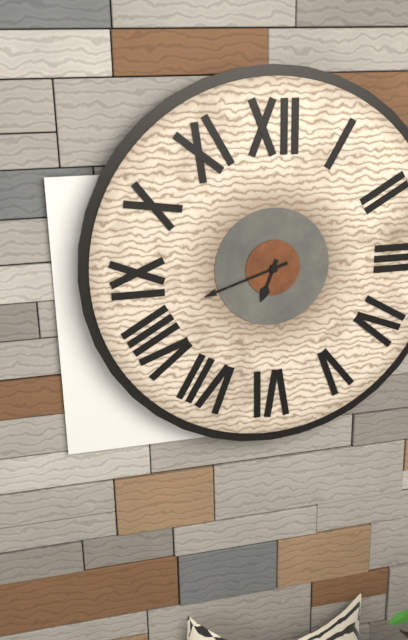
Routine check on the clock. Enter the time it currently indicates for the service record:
6:42
